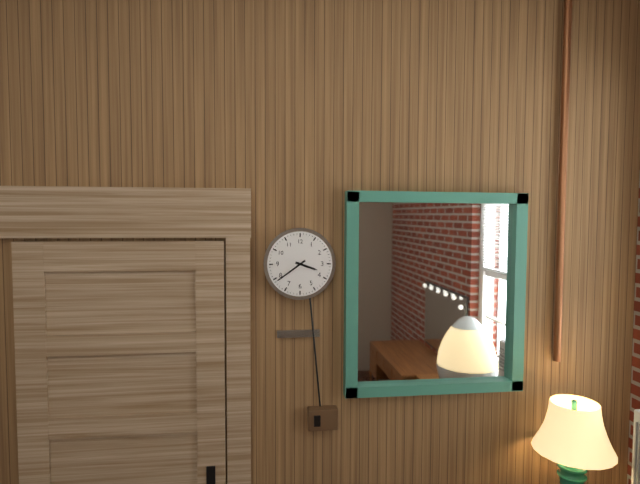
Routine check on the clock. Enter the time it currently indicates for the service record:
3:39
